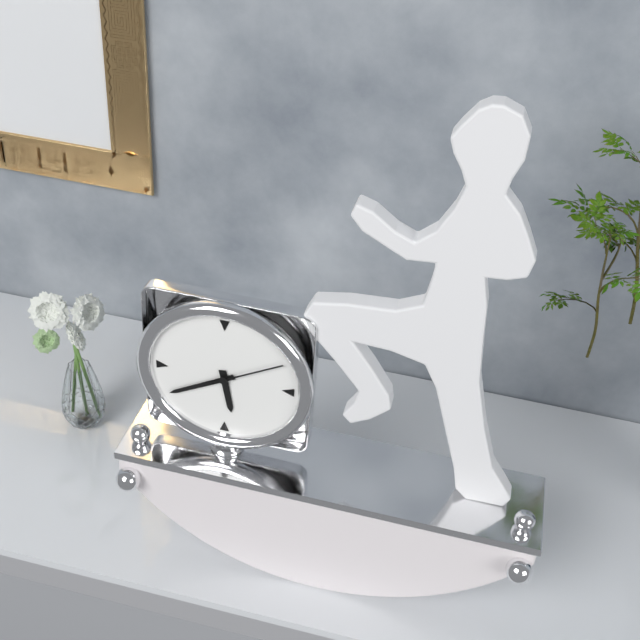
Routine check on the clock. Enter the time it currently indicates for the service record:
5:40:10
